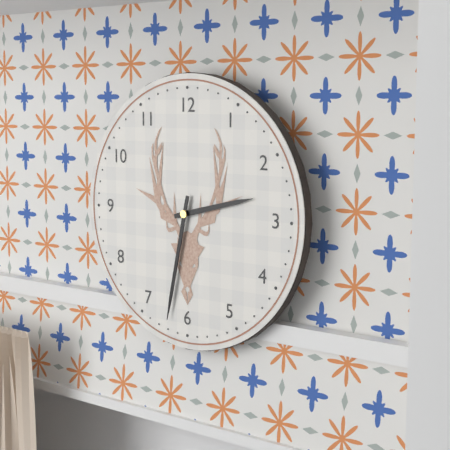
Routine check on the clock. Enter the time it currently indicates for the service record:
2:32
